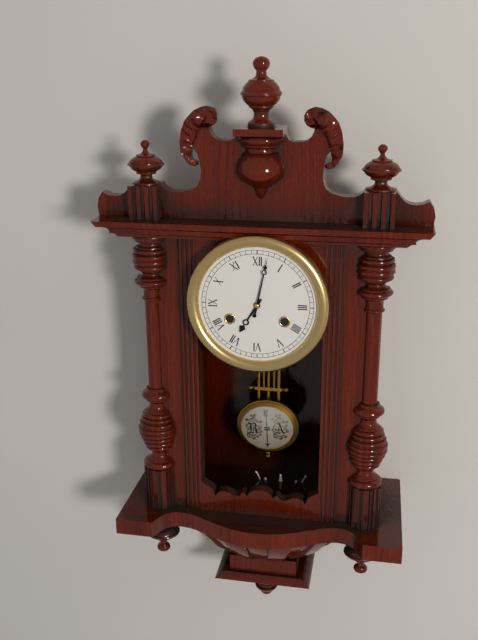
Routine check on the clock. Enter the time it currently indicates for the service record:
7:02
